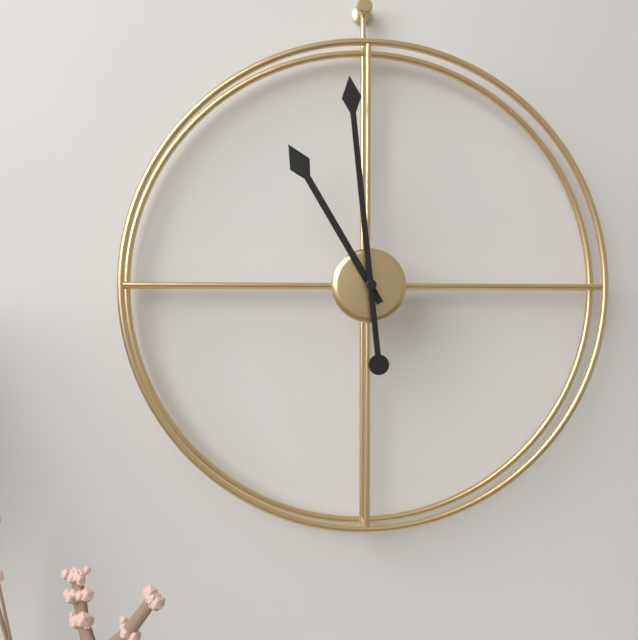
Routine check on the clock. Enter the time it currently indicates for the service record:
10:59
